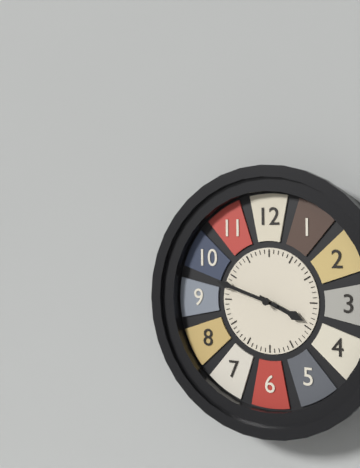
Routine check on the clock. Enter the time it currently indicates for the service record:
3:48
